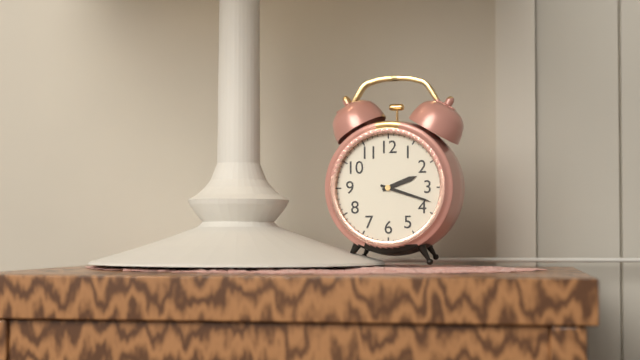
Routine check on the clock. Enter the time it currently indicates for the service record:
2:18
